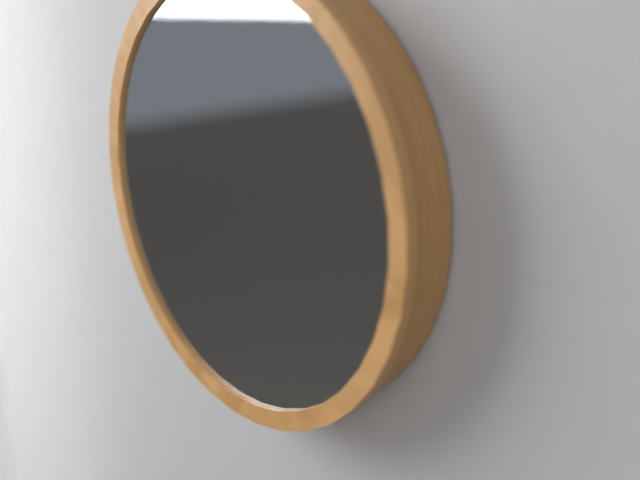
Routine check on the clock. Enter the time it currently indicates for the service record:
2:54
